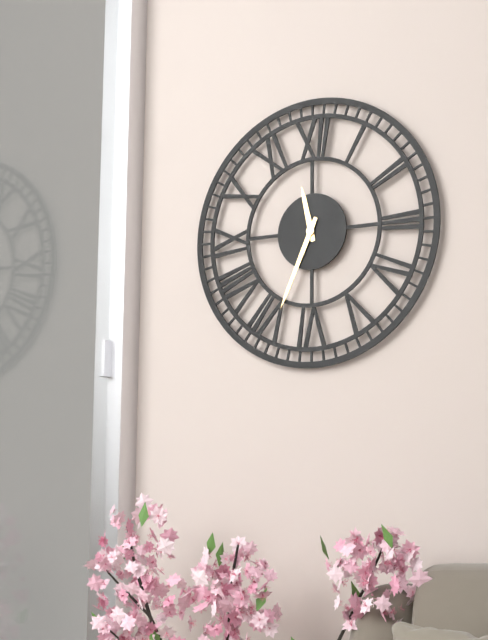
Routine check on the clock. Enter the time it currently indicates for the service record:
11:34
